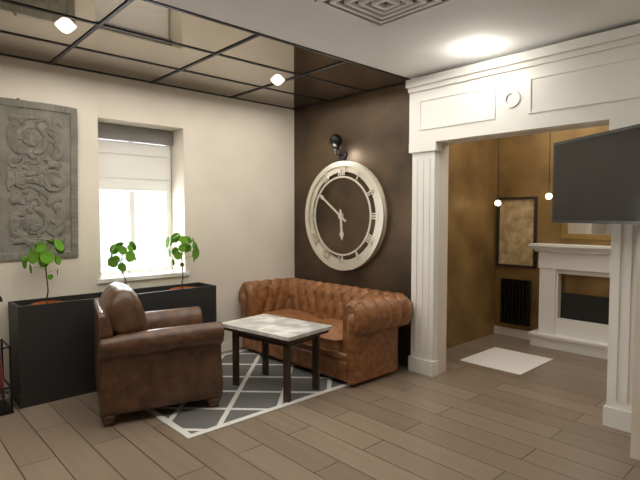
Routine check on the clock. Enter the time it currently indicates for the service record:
5:51
